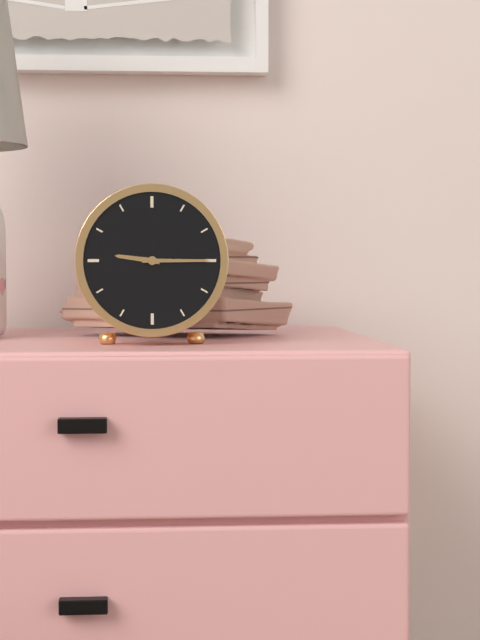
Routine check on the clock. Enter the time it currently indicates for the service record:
9:15
